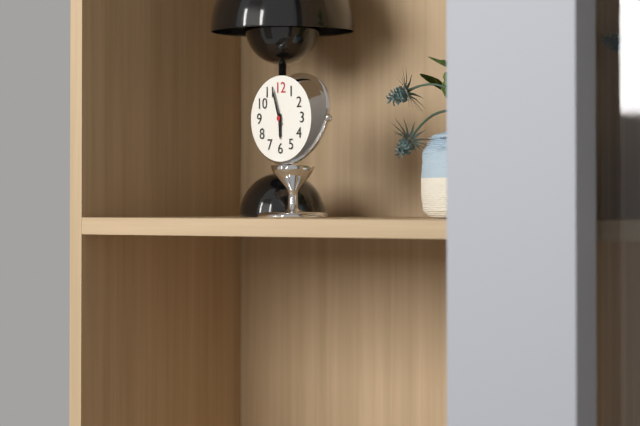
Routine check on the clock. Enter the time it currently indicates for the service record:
5:57
